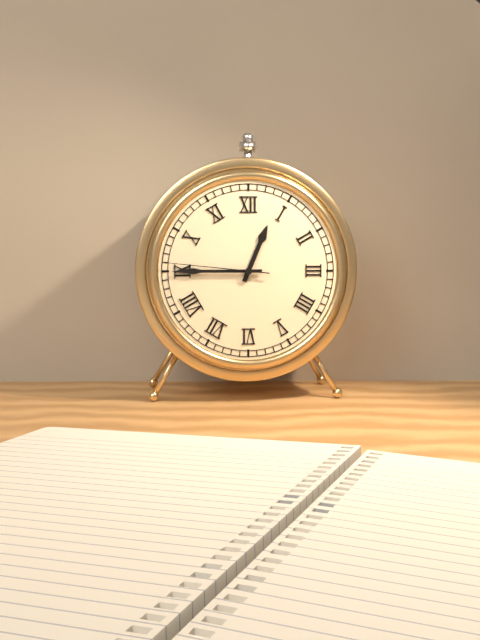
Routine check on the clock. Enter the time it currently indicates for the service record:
12:45:46
